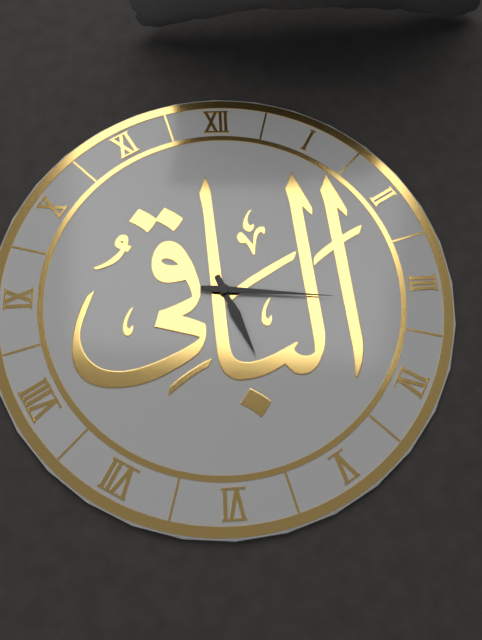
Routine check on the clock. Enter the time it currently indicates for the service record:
5:16
